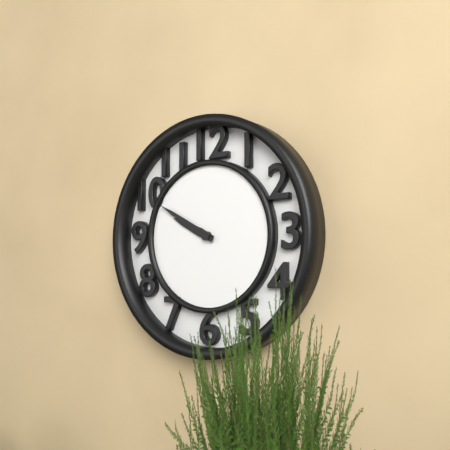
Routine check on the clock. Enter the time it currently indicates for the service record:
9:50
